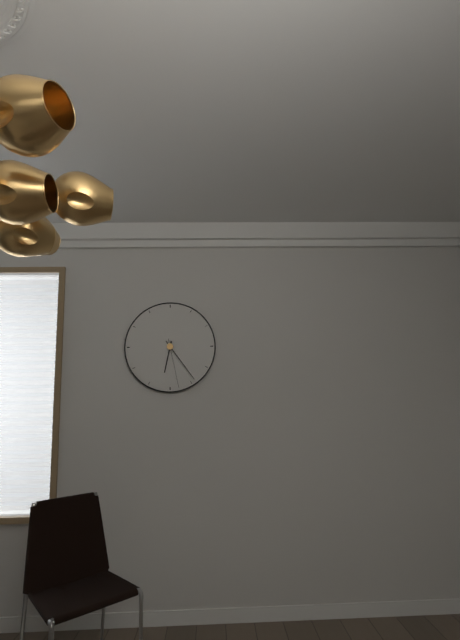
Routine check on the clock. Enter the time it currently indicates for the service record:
6:24:28
